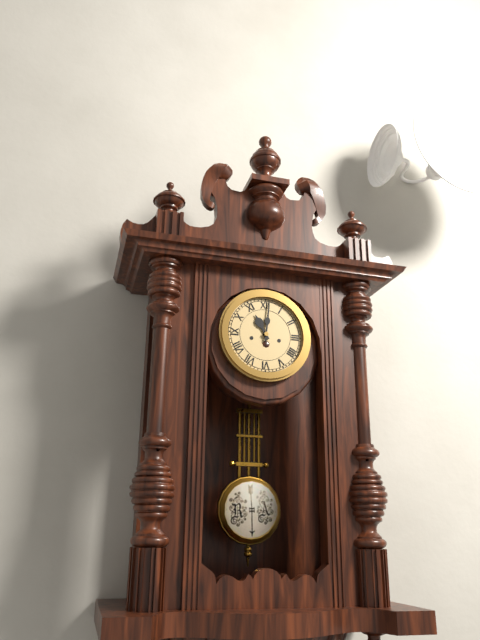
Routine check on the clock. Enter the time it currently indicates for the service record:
11:01
